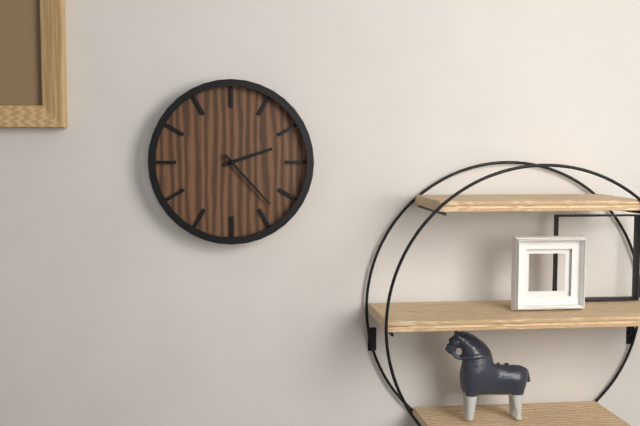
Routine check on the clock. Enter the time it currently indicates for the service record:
2:23
